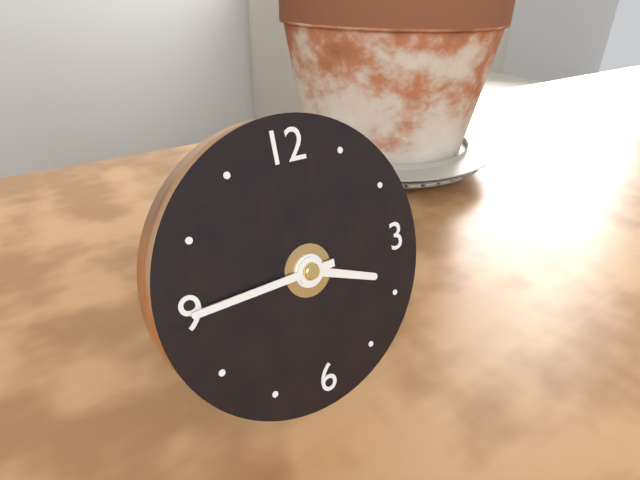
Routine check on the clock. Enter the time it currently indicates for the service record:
3:45
